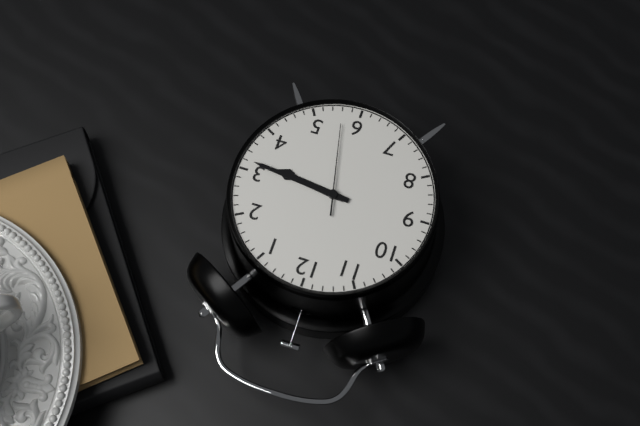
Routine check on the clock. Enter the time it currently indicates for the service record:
3:16:28
